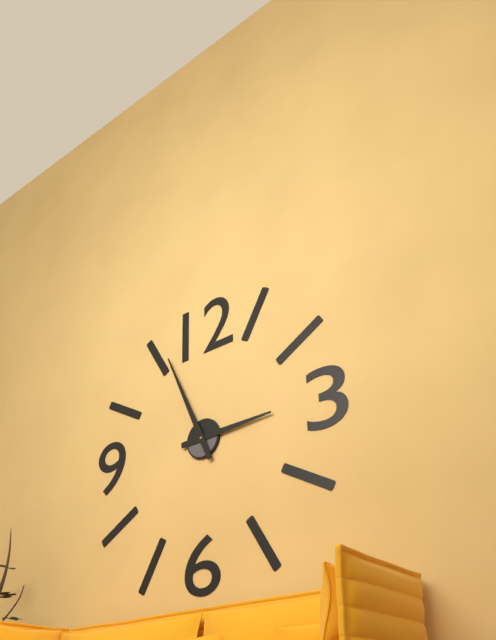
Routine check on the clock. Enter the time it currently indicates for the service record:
2:56
